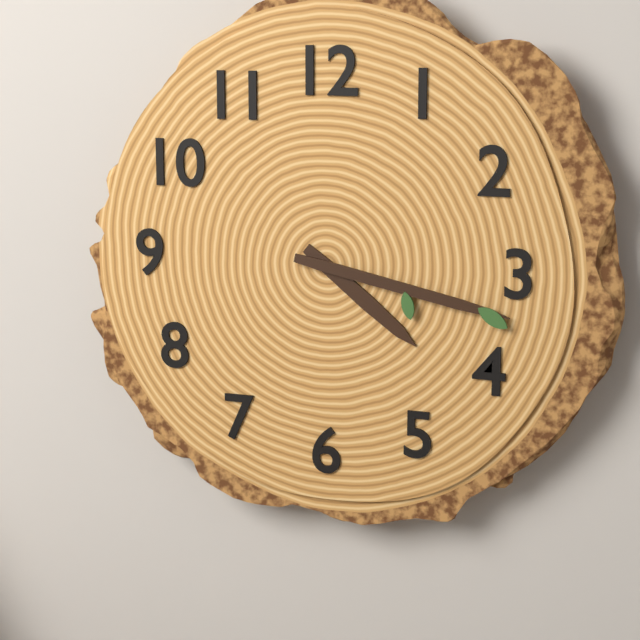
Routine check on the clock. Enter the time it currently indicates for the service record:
4:17
